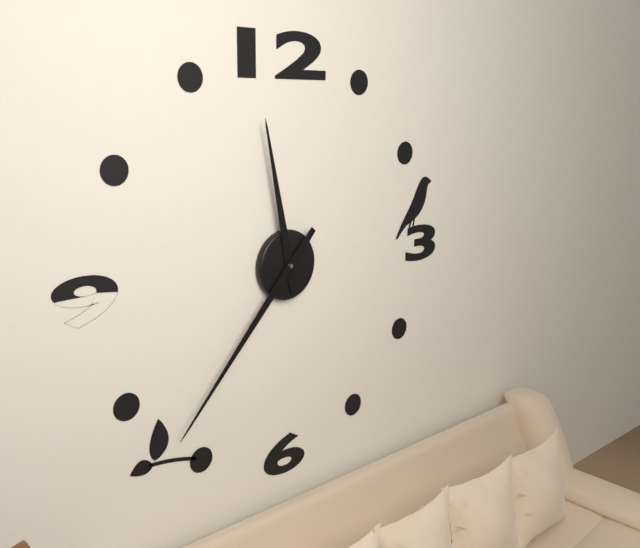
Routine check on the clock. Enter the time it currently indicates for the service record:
11:37
